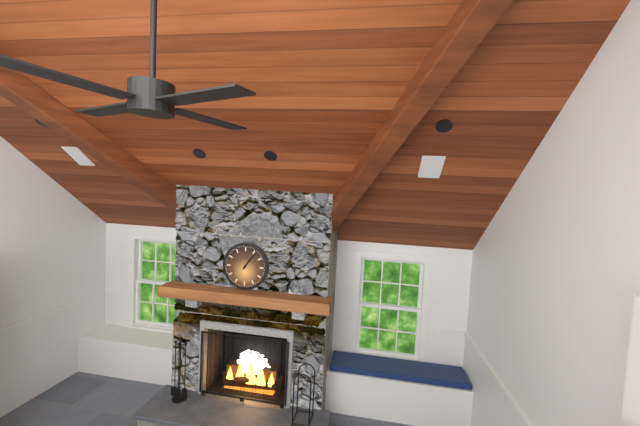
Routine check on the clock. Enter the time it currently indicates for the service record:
1:06
